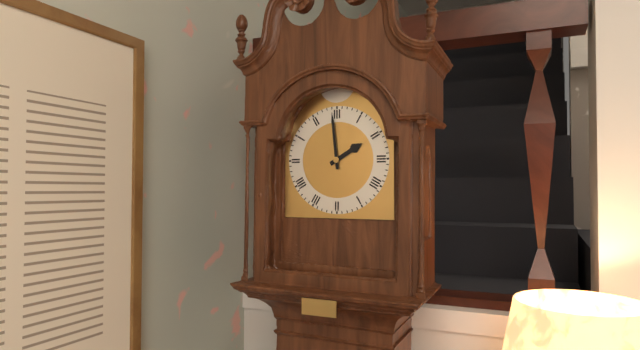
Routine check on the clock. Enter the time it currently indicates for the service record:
1:59
